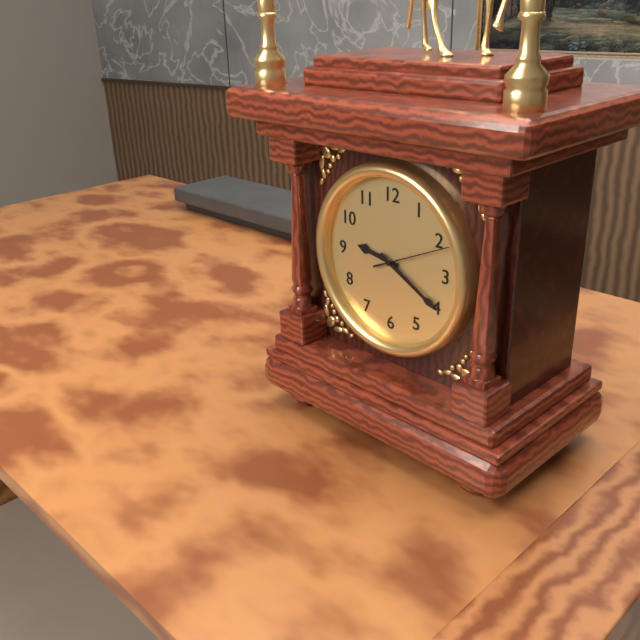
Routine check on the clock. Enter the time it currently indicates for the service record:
9:20:11
